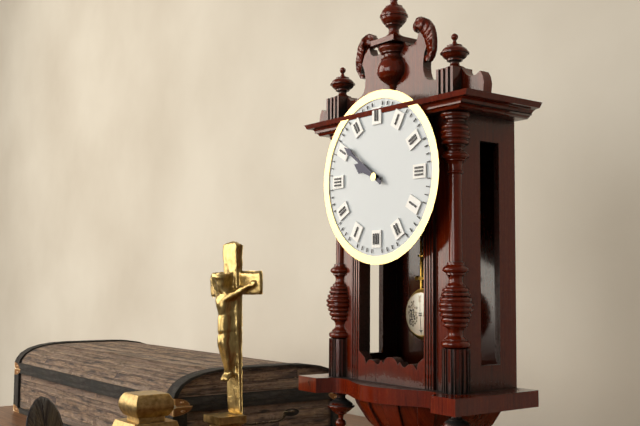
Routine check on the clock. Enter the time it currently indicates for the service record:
9:51
